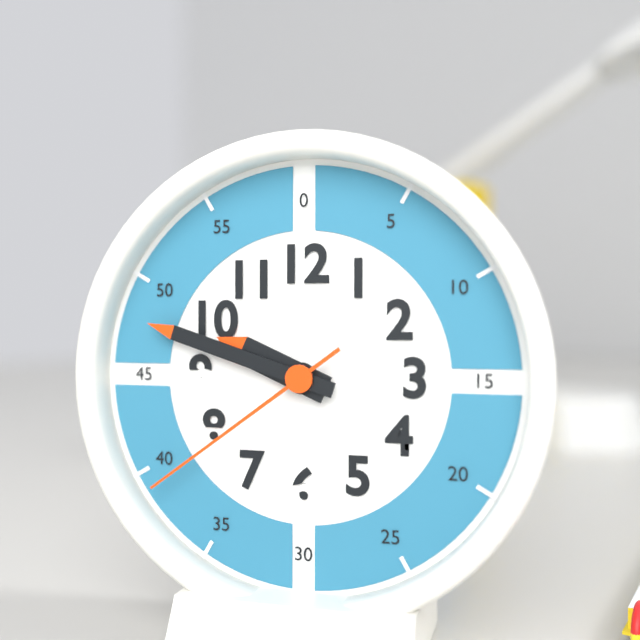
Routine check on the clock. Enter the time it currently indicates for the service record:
9:48:39
